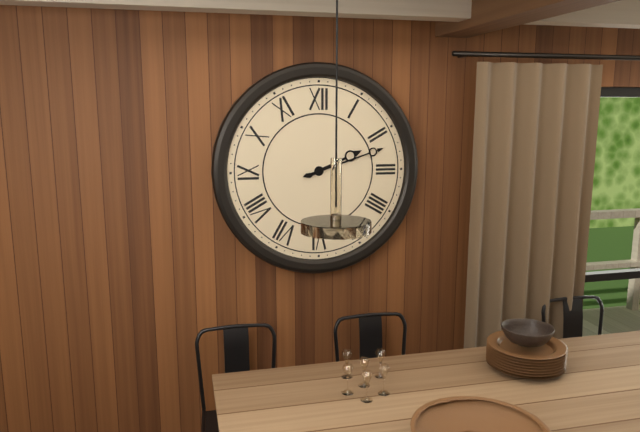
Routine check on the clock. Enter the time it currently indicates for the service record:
2:12
